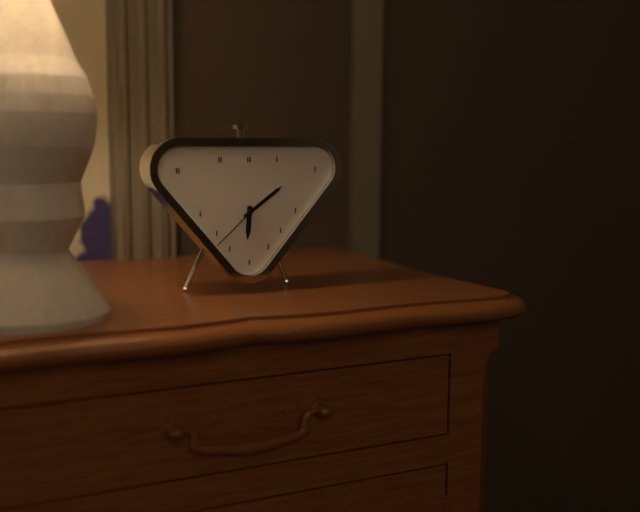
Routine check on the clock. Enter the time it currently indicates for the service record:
6:09:38
